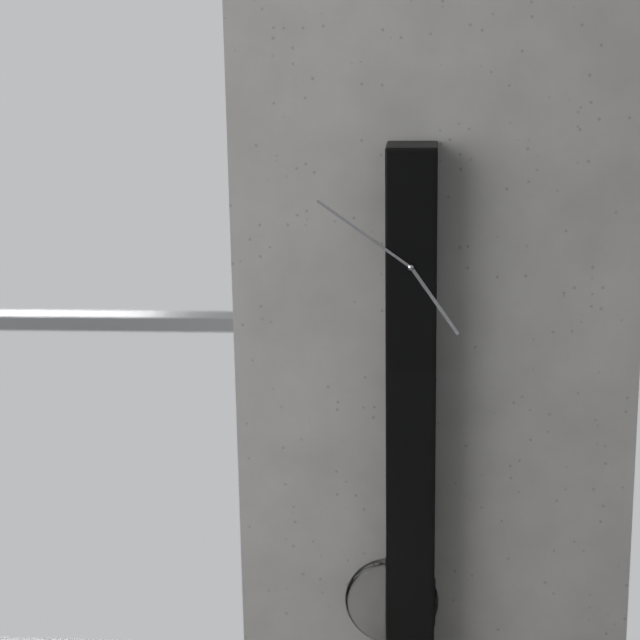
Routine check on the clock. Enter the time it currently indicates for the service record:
4:51
